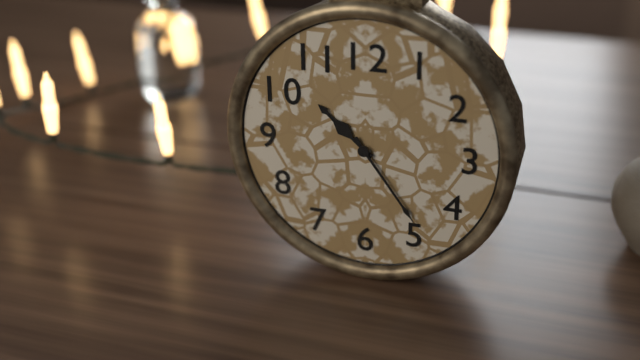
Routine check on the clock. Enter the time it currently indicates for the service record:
10:24
